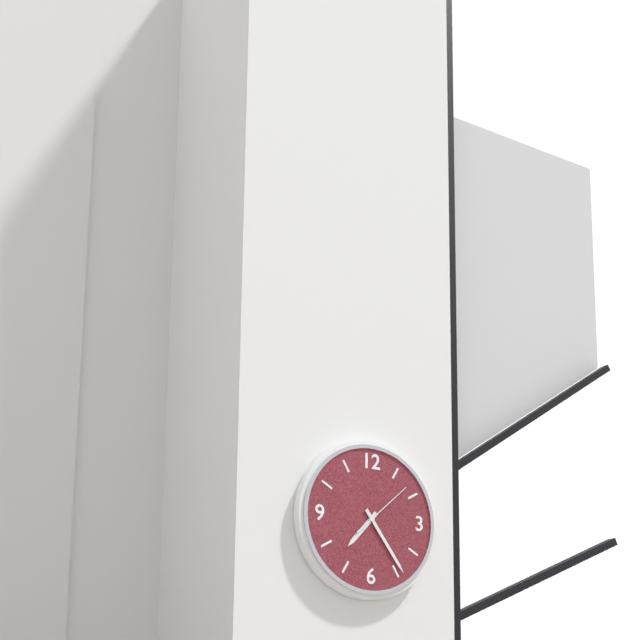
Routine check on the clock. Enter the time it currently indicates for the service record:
7:24:08
